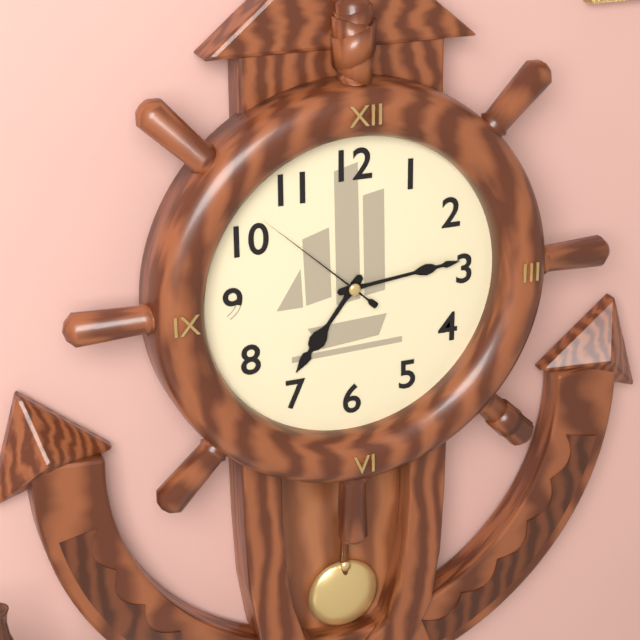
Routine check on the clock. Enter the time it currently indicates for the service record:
7:14:52
